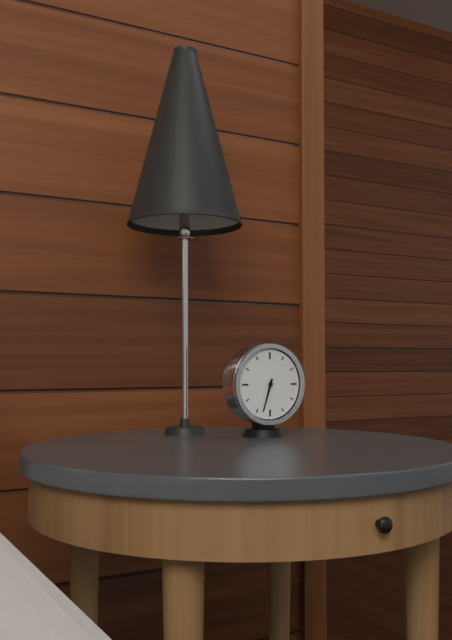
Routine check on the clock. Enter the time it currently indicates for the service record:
6:33
